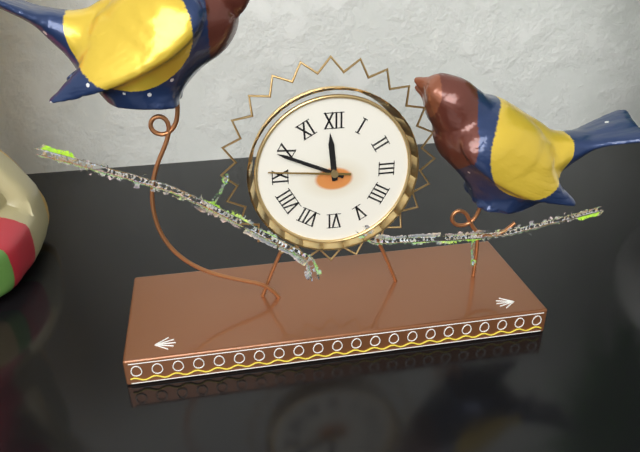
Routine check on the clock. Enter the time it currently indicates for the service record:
11:49:46
